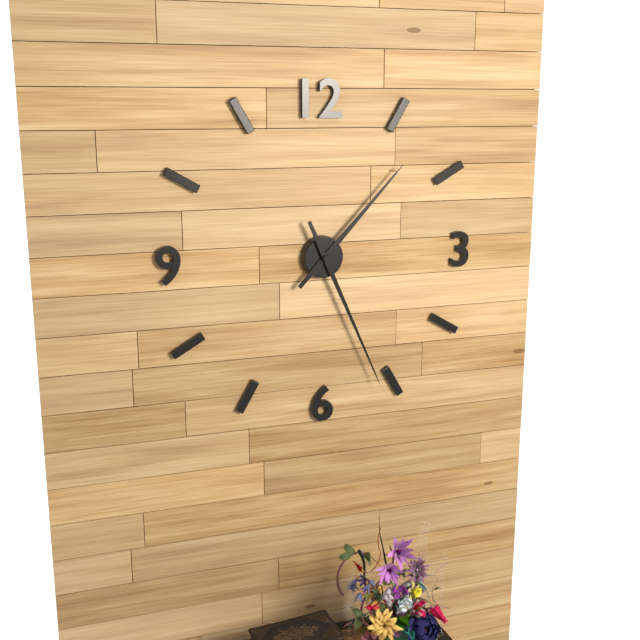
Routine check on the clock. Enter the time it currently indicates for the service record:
1:26
